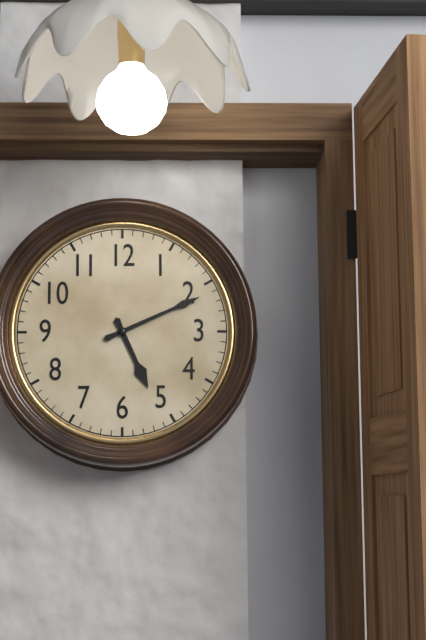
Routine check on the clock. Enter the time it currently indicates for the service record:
5:11
